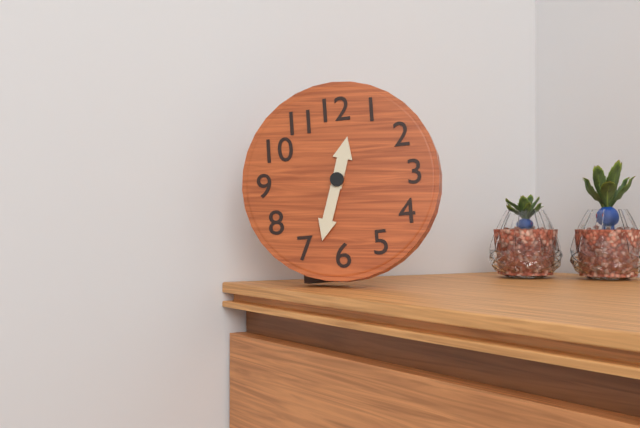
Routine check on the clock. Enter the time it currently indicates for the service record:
12:33
